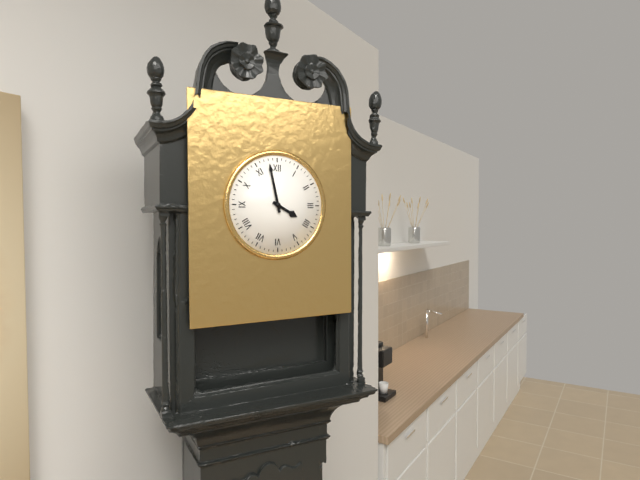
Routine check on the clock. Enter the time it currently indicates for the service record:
3:58
